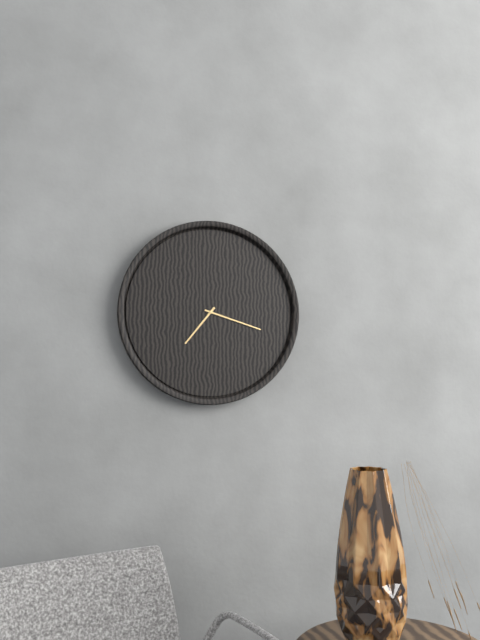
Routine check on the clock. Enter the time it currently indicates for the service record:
7:18
